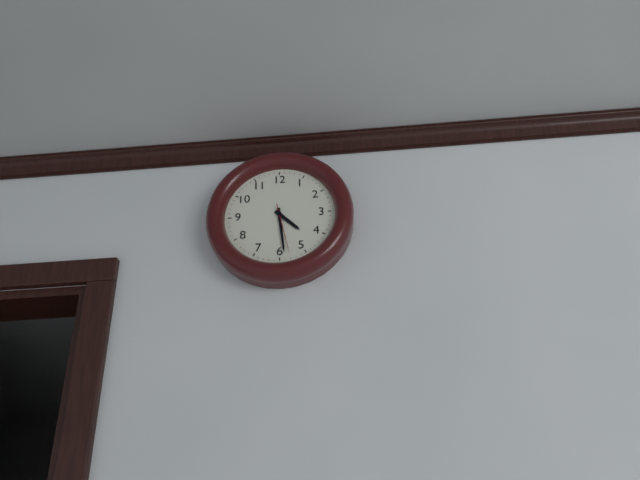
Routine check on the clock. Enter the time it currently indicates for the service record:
4:29:28
